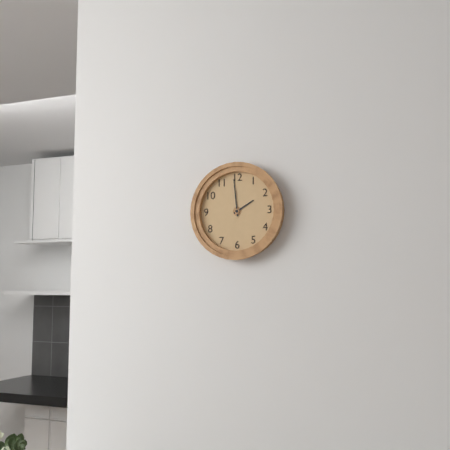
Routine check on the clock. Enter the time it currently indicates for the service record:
1:59
